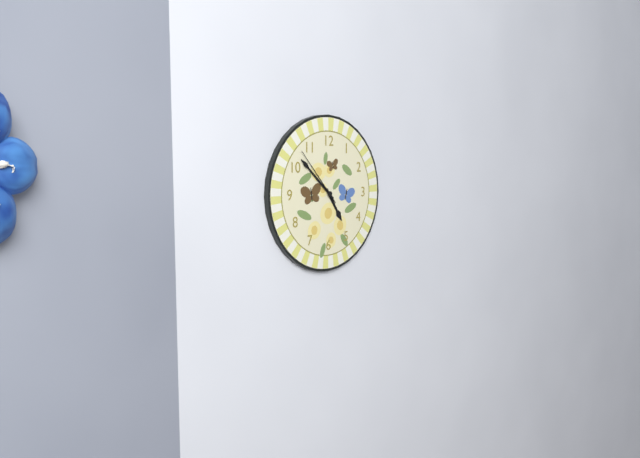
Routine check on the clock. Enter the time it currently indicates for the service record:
4:52:53
